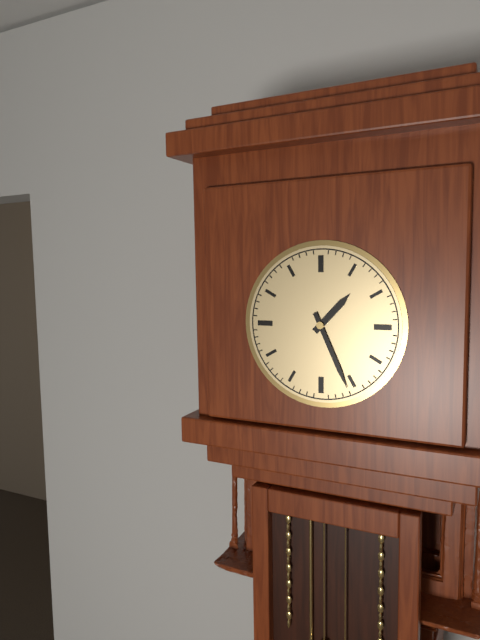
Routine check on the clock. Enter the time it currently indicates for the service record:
1:26
